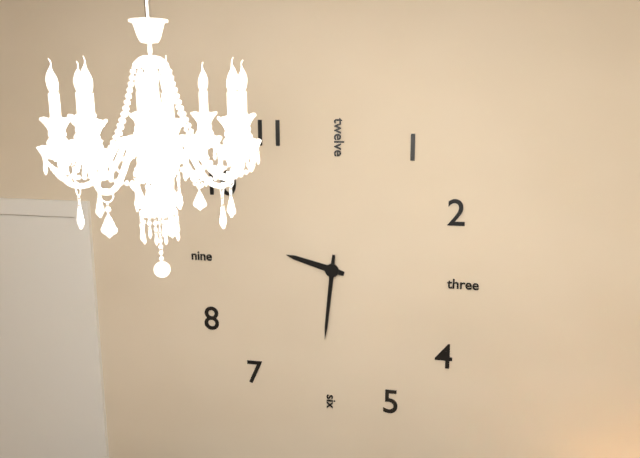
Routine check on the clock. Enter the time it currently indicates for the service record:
9:31
